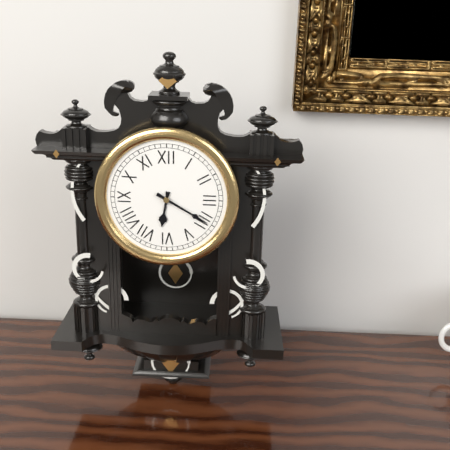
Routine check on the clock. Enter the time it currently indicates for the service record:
6:20
